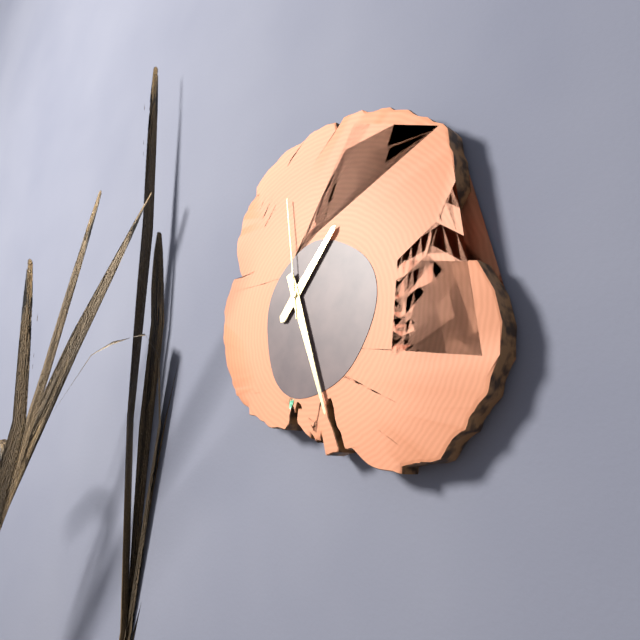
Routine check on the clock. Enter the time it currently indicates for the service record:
1:27:59
